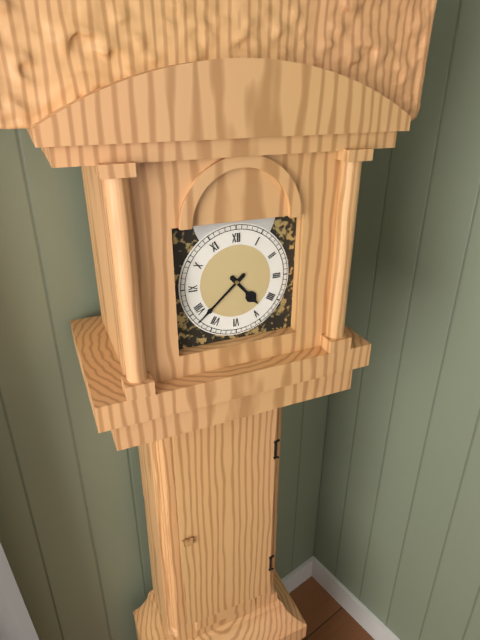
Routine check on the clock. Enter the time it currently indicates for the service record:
4:38
